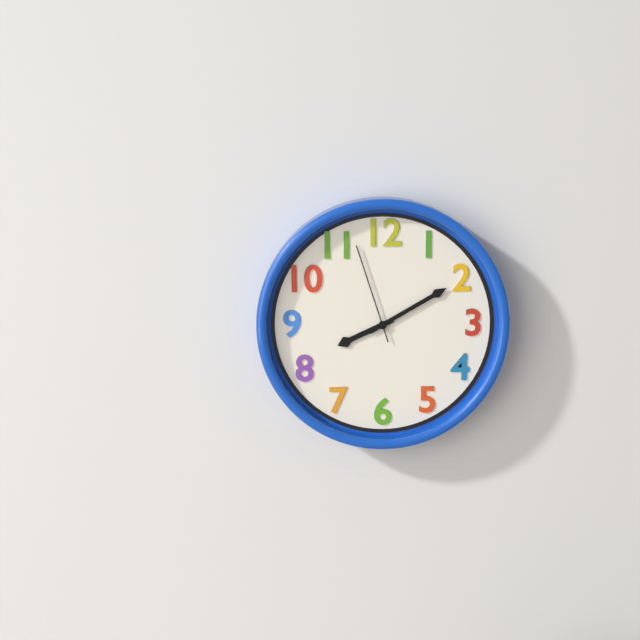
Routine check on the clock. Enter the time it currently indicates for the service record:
8:10:57
